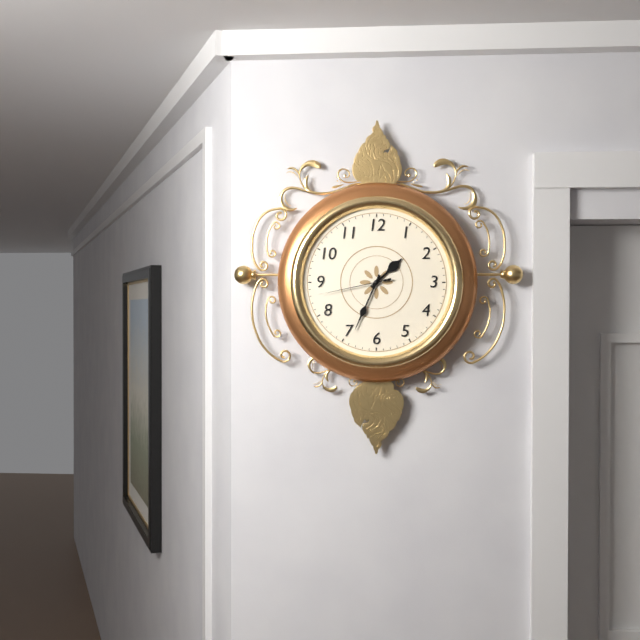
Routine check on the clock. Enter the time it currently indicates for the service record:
1:34:43
